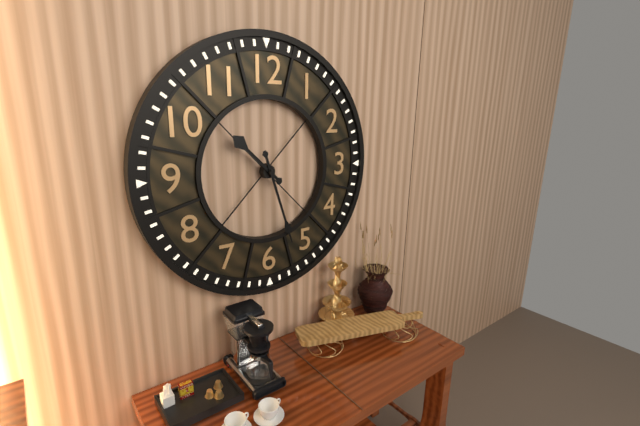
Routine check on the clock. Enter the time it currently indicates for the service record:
10:27
